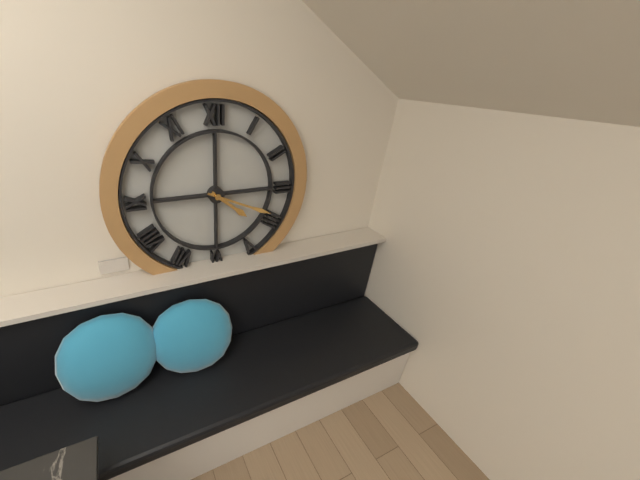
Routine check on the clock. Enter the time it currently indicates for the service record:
4:19
